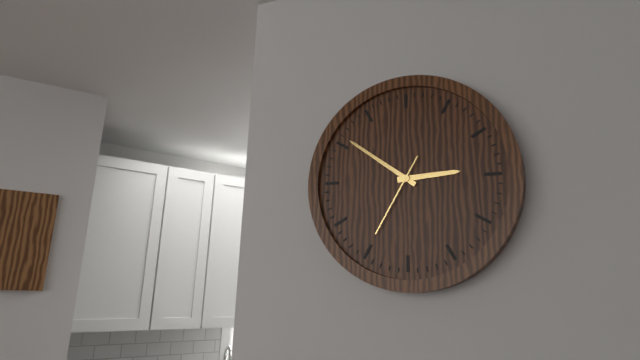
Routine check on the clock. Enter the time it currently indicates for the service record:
2:51:35
